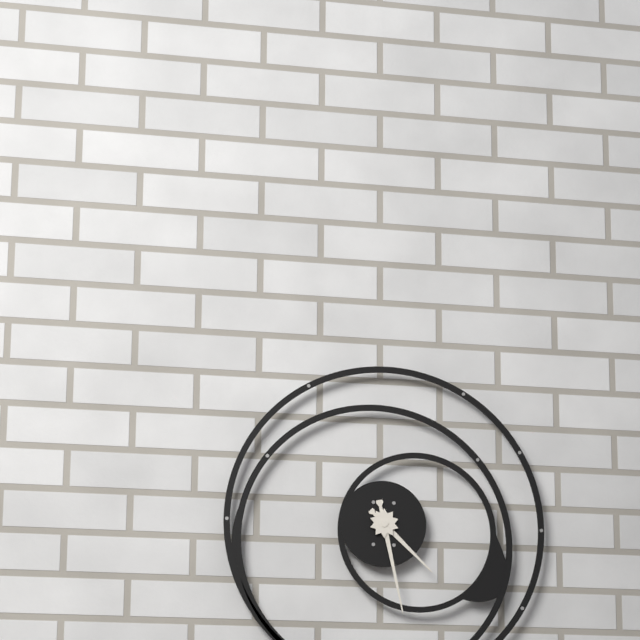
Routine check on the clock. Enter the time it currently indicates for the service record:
4:28
